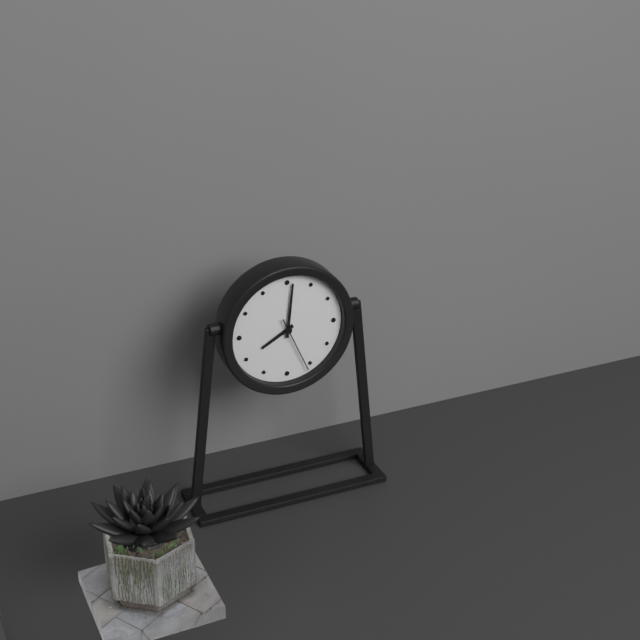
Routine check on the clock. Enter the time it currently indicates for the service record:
8:01:26
